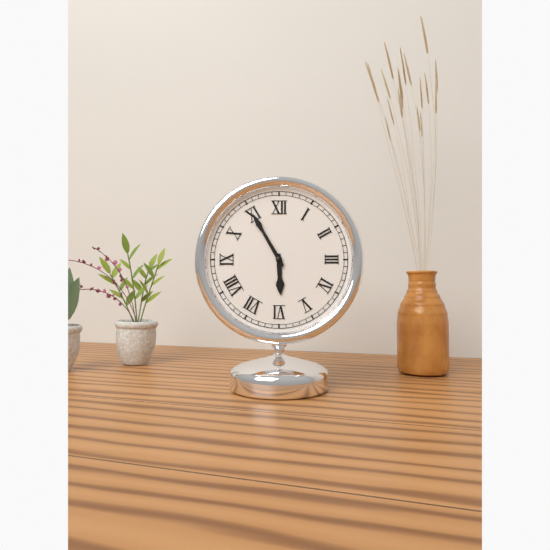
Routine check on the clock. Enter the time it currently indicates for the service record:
5:55
